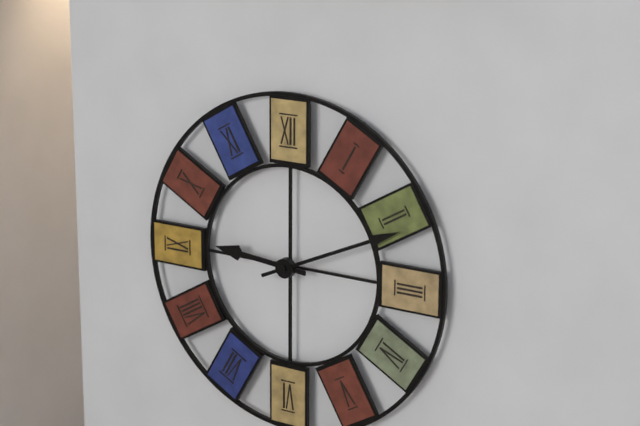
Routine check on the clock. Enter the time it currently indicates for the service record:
9:11
